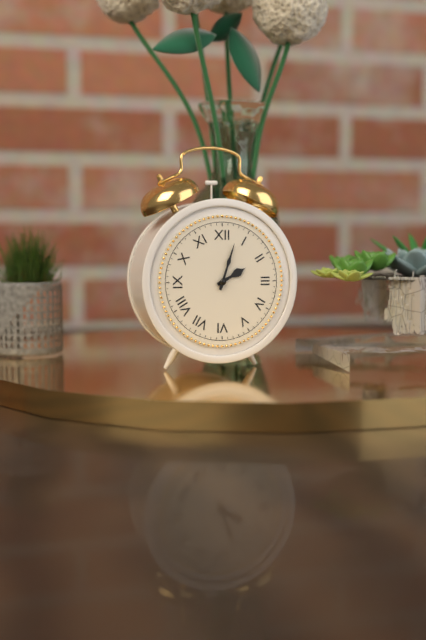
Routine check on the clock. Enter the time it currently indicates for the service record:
2:03
